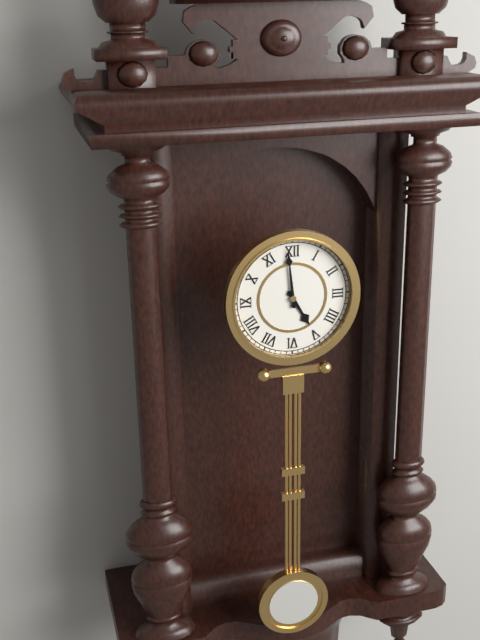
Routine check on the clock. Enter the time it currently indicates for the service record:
4:59
